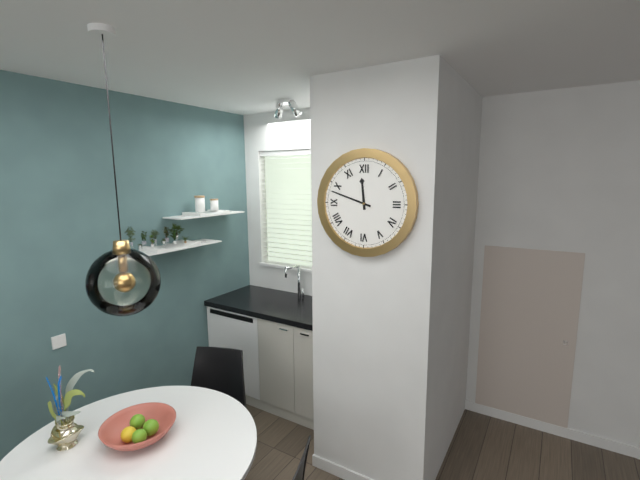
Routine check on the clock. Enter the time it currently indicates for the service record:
11:48
